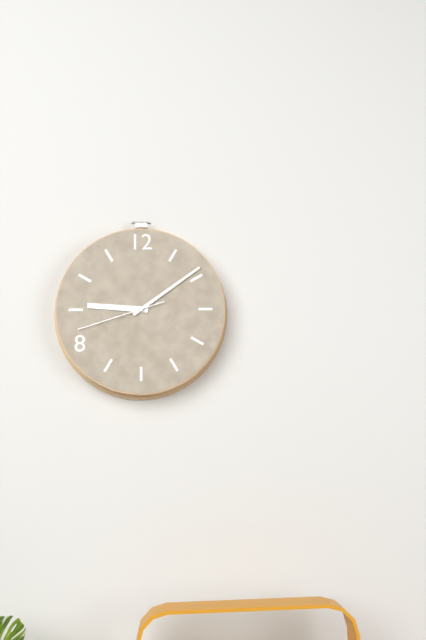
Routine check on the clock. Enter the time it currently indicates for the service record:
9:09:42
